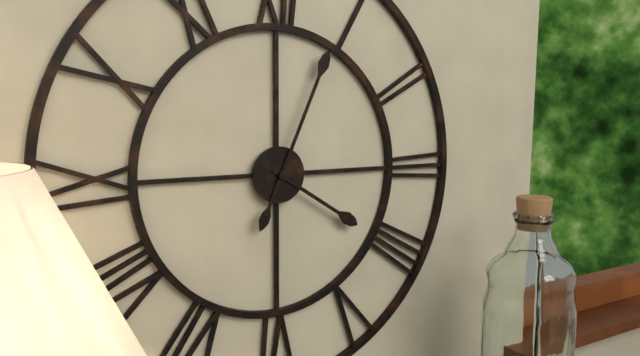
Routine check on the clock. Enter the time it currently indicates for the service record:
4:04
